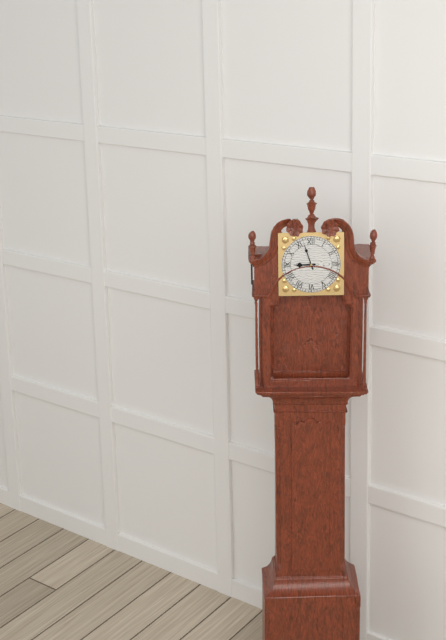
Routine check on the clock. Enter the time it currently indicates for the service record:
8:57
